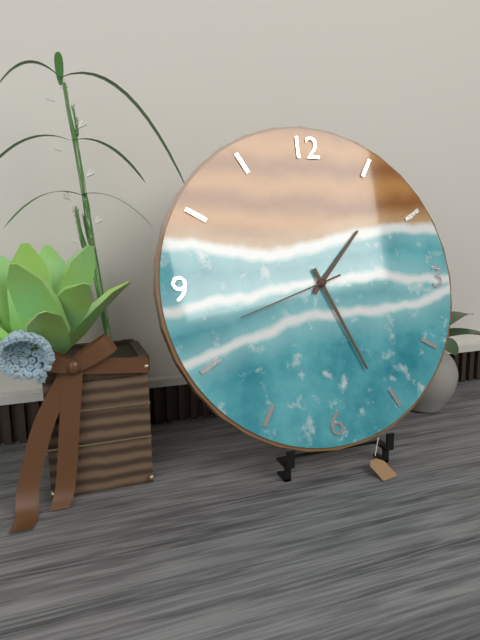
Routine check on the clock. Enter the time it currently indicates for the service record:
1:26:42
